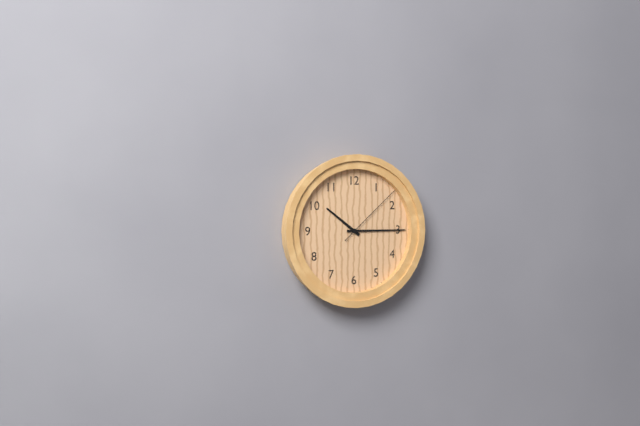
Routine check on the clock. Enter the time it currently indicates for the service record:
10:15:08
